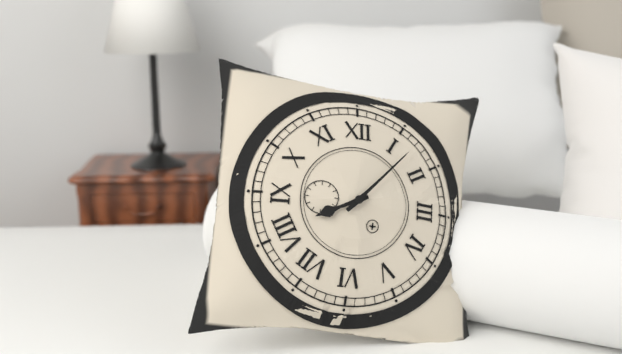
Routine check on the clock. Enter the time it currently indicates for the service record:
8:07
